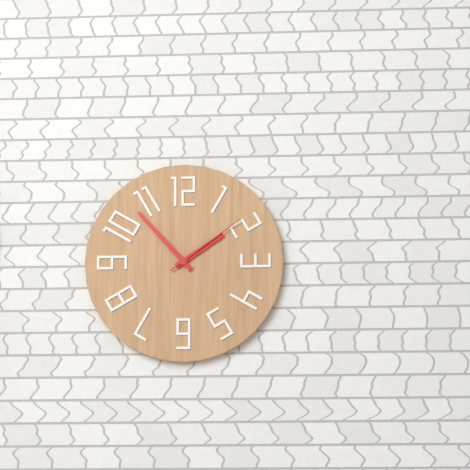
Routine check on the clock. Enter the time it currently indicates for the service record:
1:53:09
